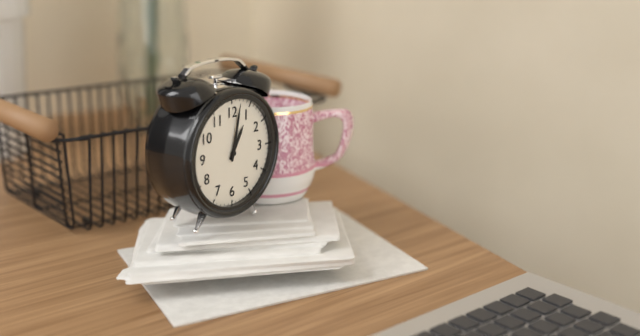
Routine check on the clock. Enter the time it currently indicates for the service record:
1:02
